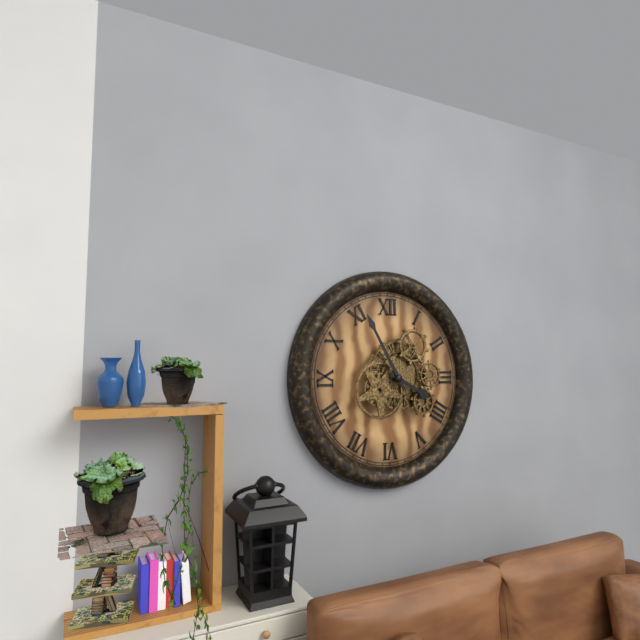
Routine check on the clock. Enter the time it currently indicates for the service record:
3:55
